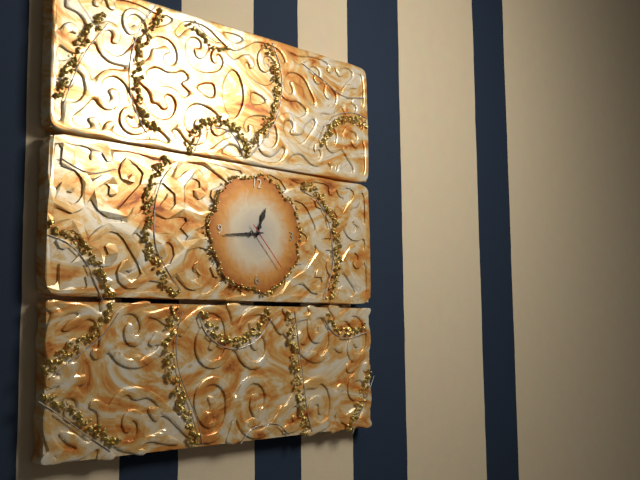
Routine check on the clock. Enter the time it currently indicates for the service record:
12:44:23
